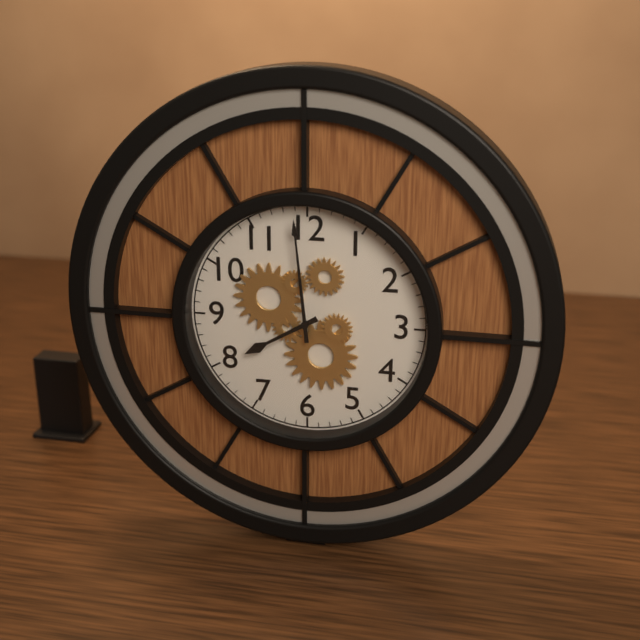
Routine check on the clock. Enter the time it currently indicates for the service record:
7:59
